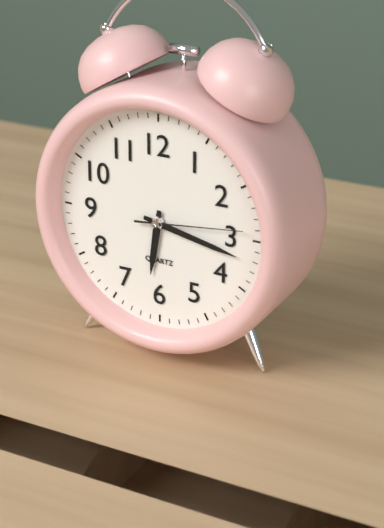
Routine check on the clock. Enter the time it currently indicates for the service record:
6:17:14
